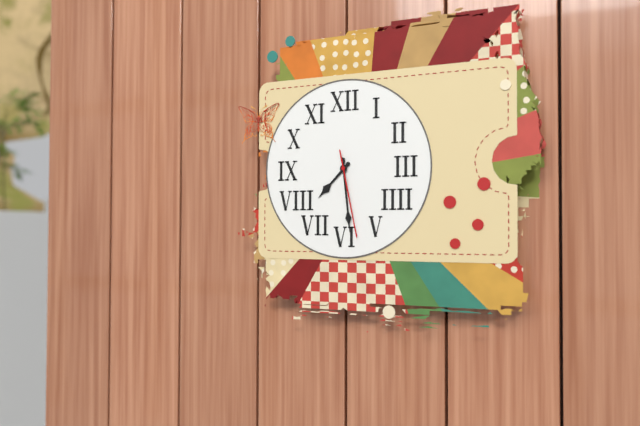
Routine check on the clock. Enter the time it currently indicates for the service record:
7:29:28
